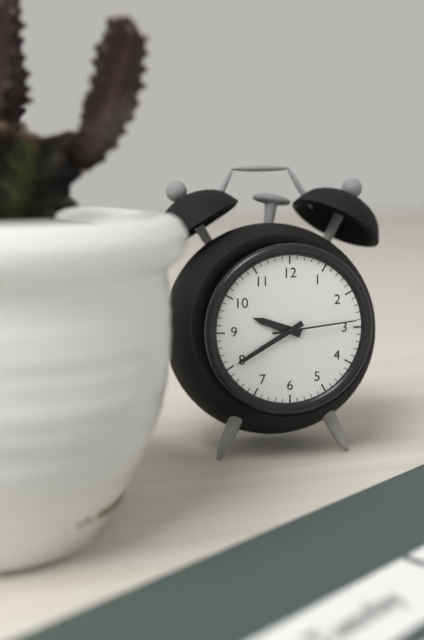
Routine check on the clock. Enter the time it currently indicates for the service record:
9:40:14
